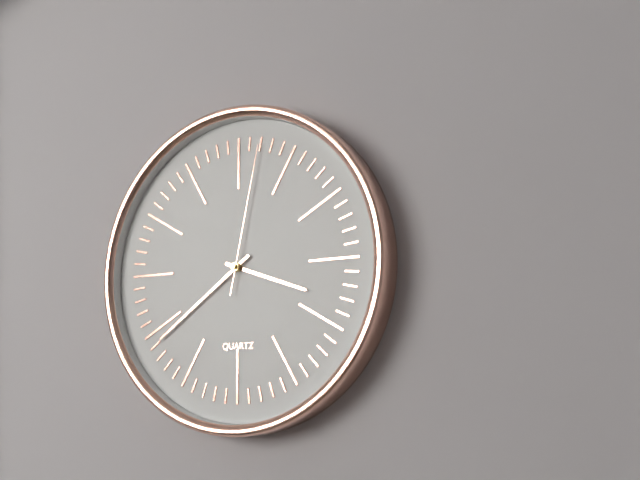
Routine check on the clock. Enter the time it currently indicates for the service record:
3:39:02
